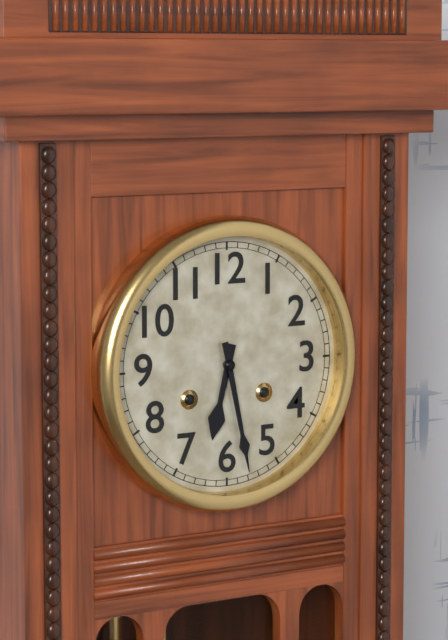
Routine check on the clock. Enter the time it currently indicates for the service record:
6:28
